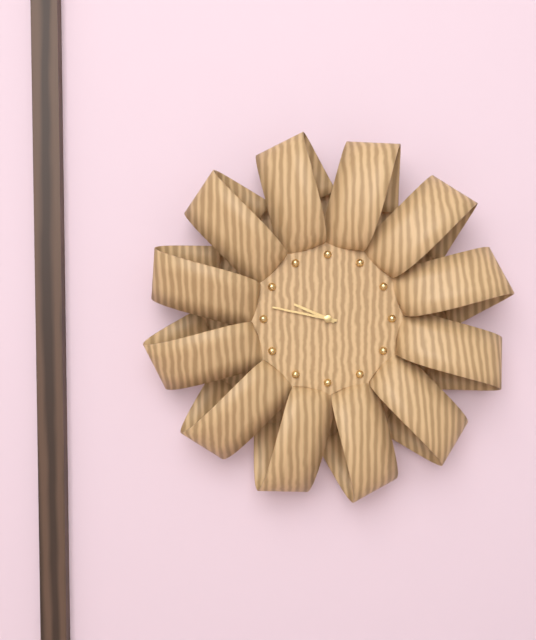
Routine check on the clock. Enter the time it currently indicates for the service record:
9:47
